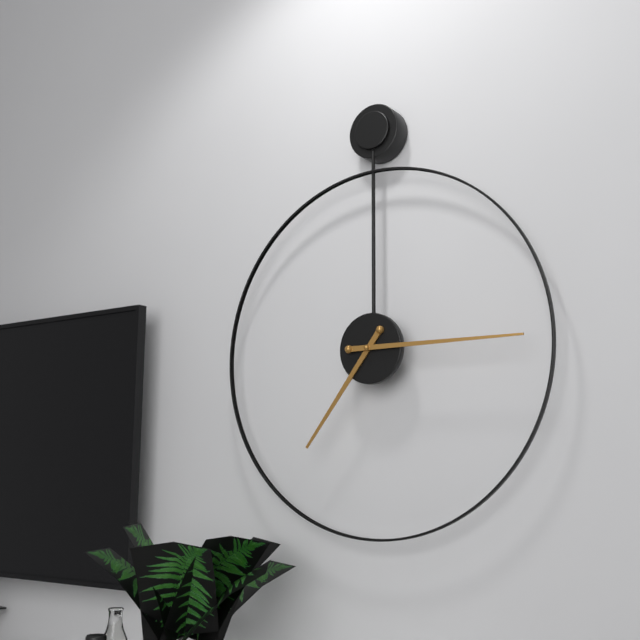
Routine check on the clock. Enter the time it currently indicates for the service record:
7:15
